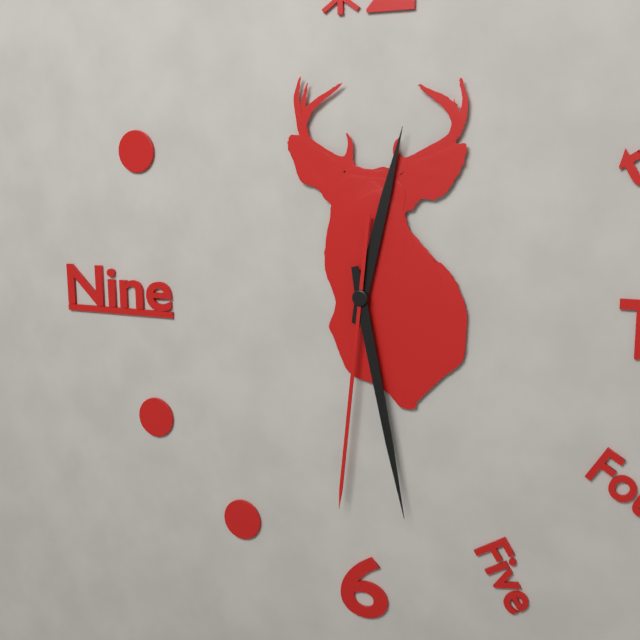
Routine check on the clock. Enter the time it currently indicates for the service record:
12:28:31
